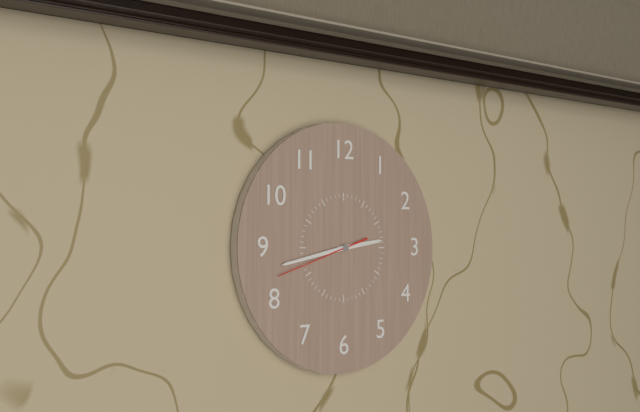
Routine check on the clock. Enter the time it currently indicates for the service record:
2:43:42
